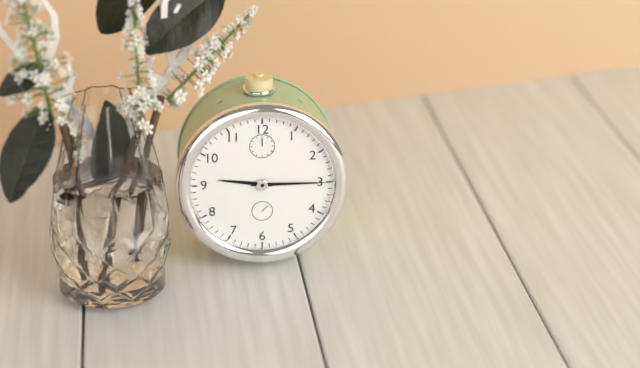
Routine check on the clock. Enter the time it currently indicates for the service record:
9:15
